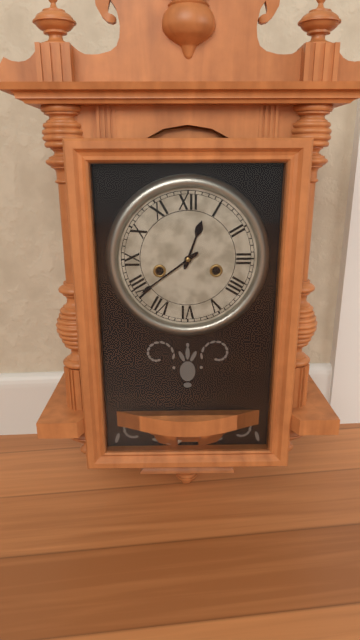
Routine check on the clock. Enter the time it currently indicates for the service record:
12:39
